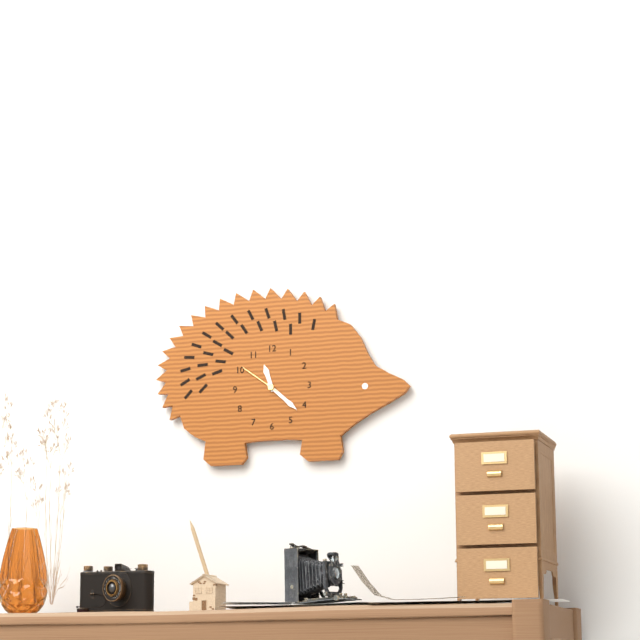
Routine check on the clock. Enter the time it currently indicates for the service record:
11:22
